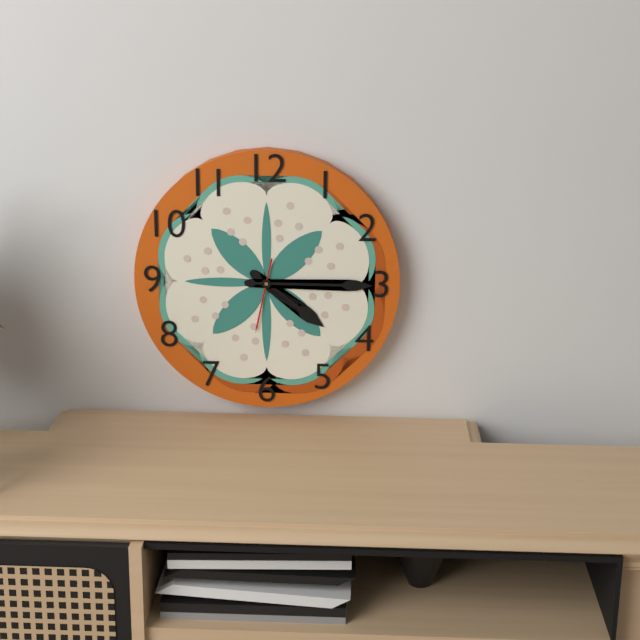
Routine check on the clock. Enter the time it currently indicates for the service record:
4:15:32
